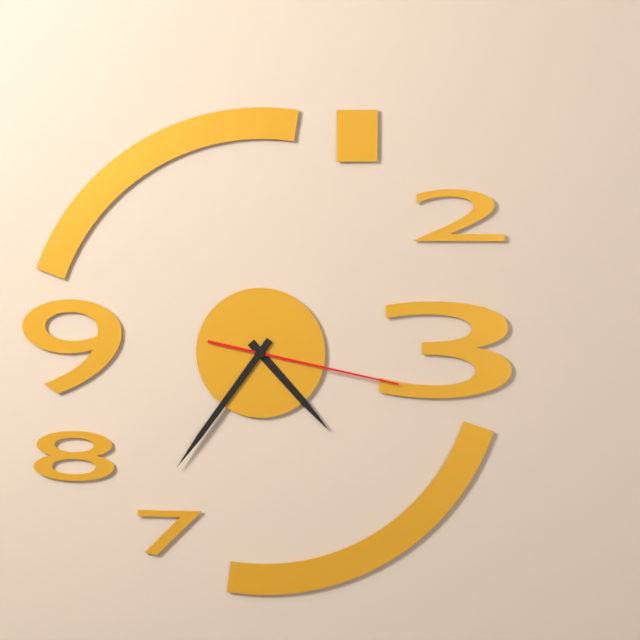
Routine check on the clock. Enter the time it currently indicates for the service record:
4:36:17
